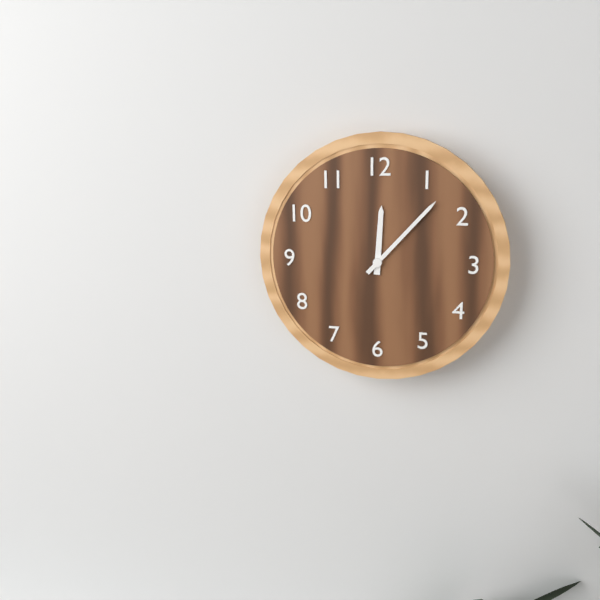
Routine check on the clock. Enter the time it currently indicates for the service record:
12:07
